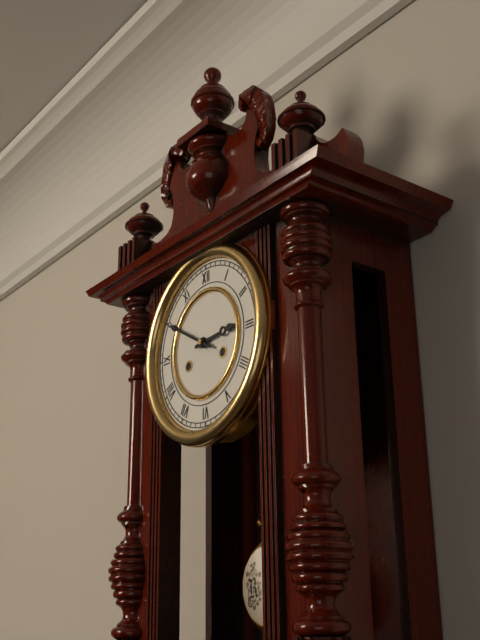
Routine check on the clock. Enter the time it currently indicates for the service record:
2:50
